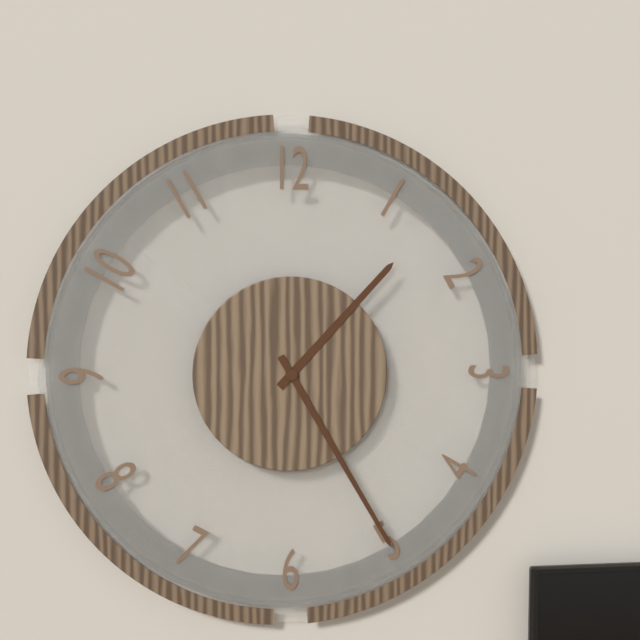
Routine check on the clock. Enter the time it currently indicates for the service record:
1:25
